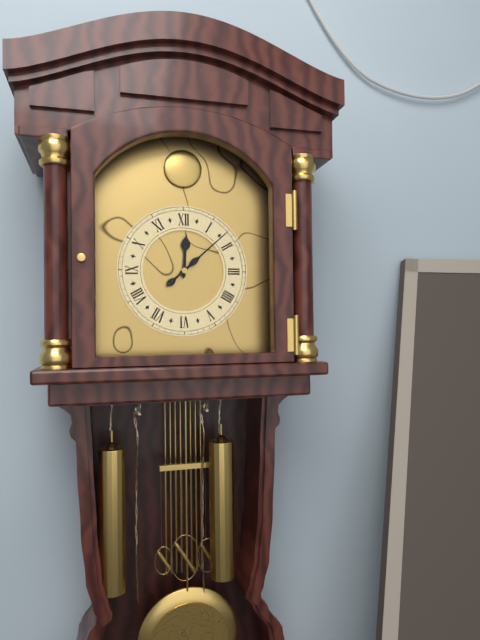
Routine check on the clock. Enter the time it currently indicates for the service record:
12:08
